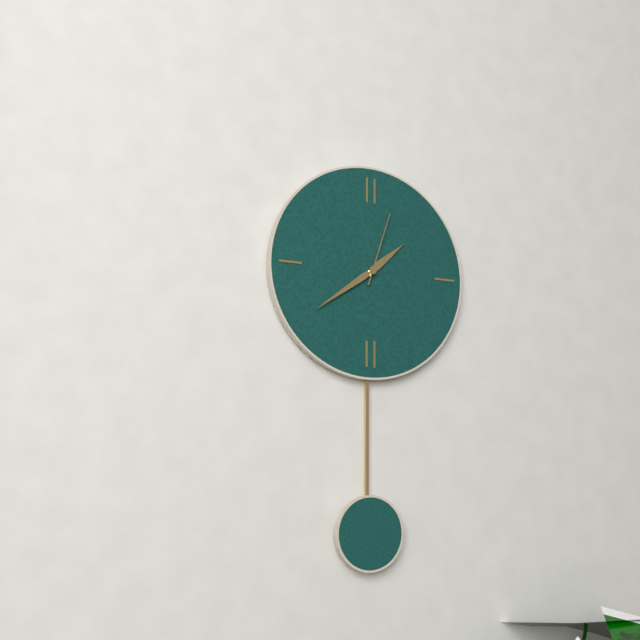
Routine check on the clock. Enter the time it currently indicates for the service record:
1:39:03
